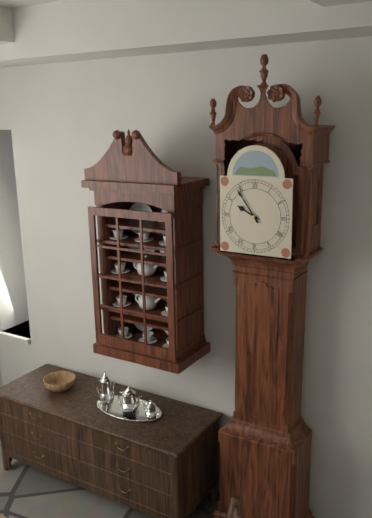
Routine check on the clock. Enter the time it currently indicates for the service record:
9:54
